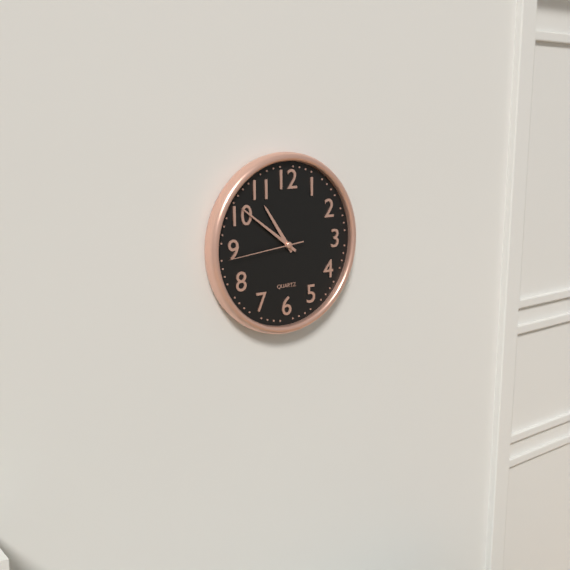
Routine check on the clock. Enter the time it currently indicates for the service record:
10:51:44
